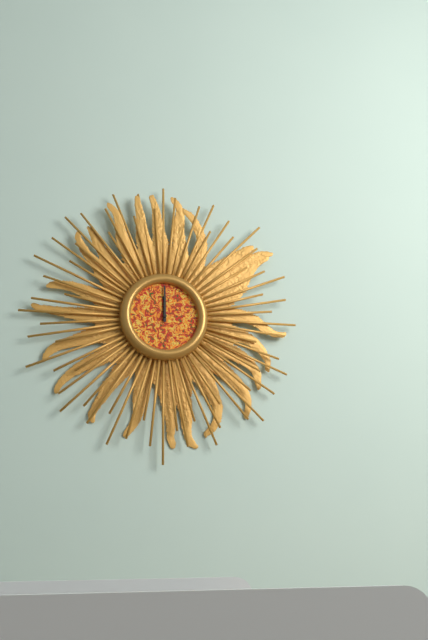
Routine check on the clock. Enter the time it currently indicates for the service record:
12:00
